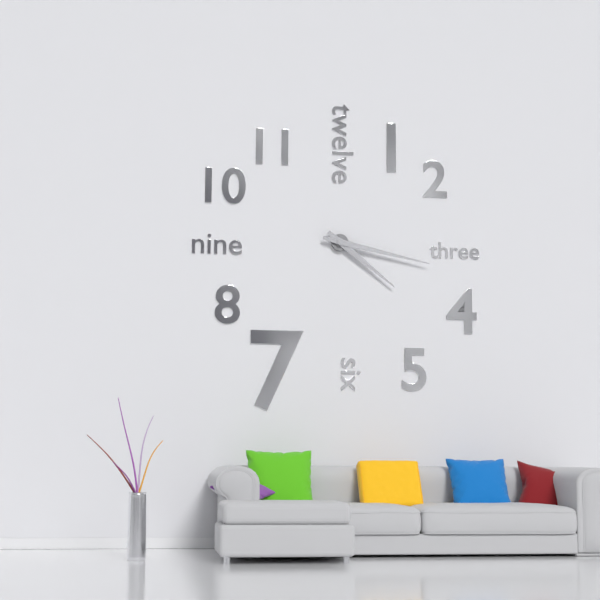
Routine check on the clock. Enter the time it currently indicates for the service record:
4:17
